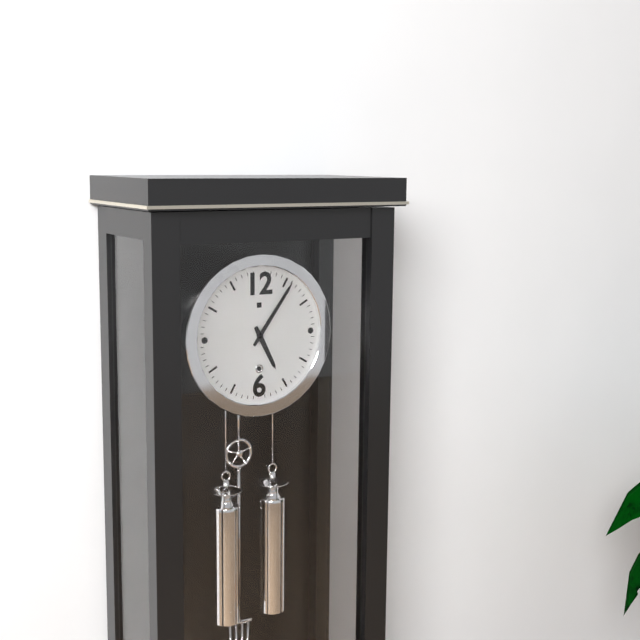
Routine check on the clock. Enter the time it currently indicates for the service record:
5:06
